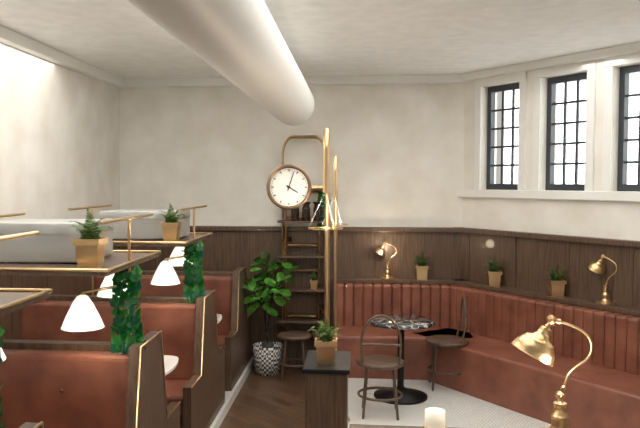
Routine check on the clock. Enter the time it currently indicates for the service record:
4:03
